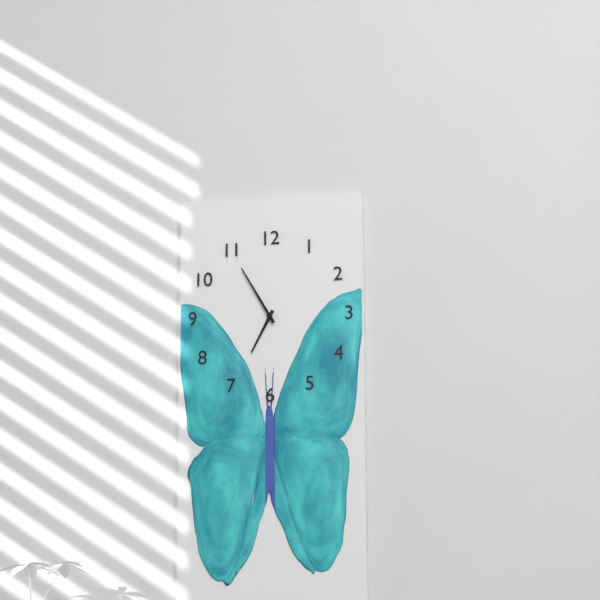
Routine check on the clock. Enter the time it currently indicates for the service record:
6:55
